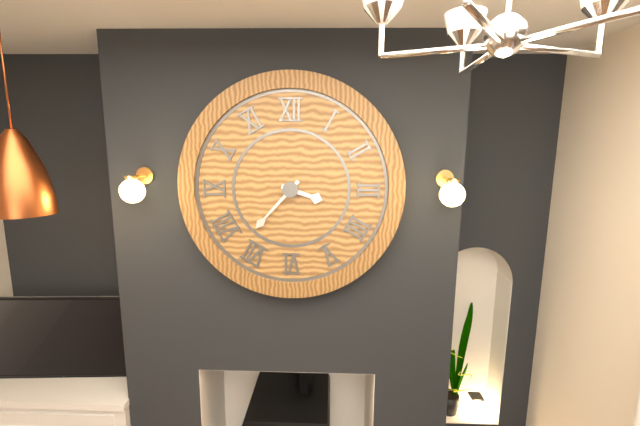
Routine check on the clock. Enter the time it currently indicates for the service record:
3:37
